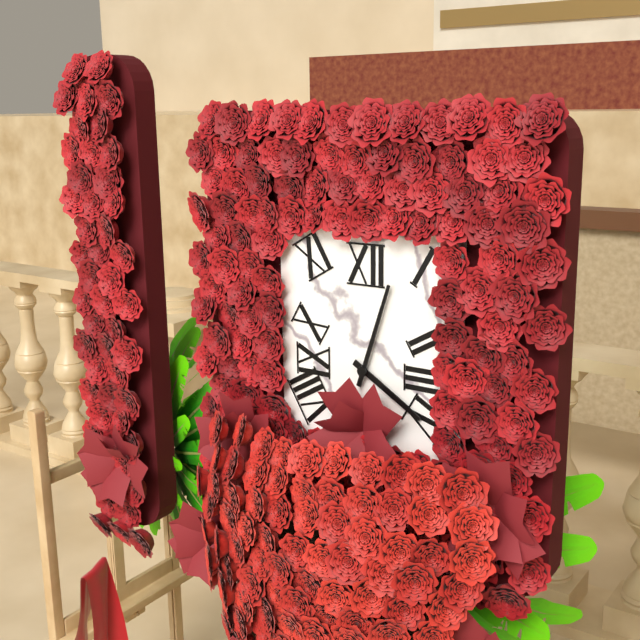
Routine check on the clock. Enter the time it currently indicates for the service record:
4:03
